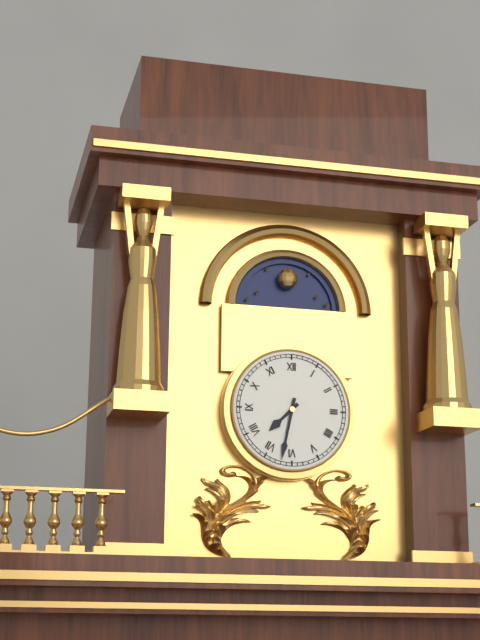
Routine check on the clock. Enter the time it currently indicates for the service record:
7:32
